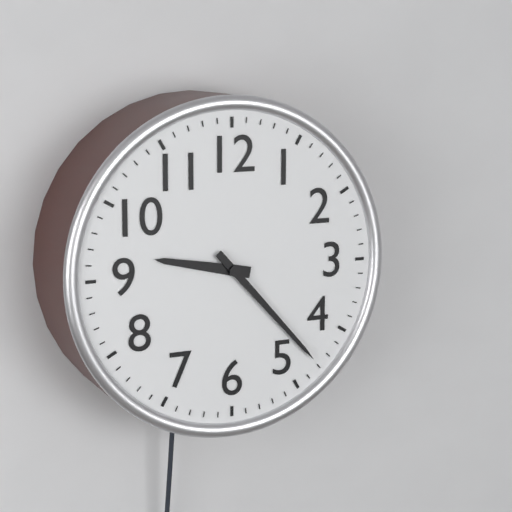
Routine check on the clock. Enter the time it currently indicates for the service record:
9:23
